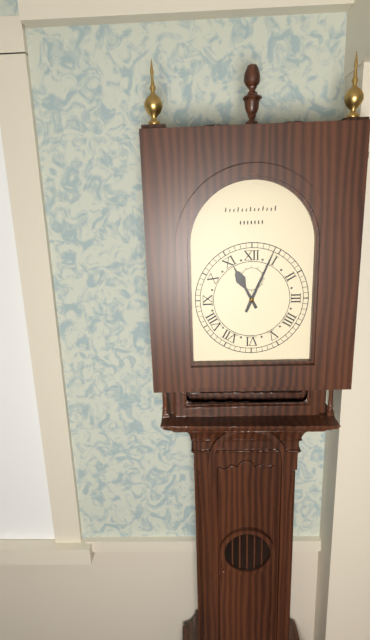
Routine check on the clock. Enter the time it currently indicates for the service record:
11:04
